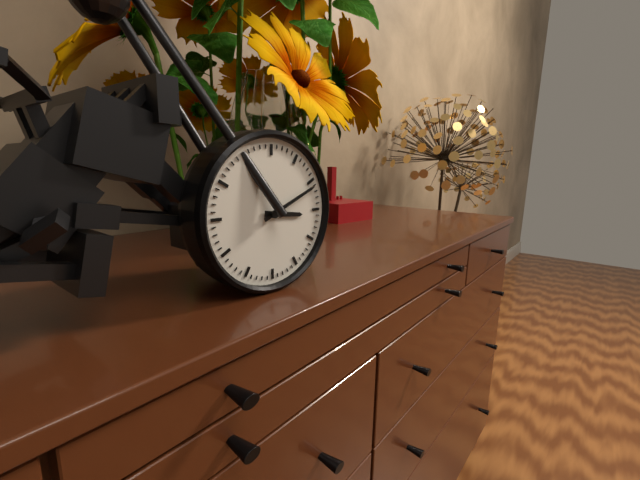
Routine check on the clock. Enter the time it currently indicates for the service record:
3:11
